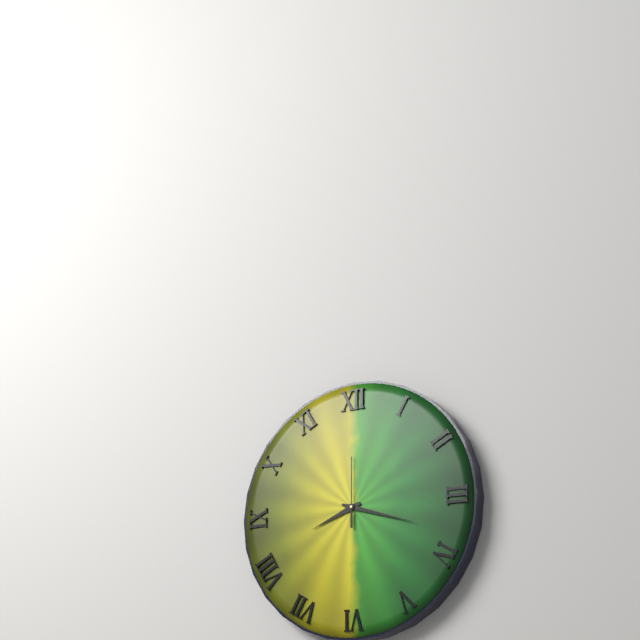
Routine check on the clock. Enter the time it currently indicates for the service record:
8:18:00
